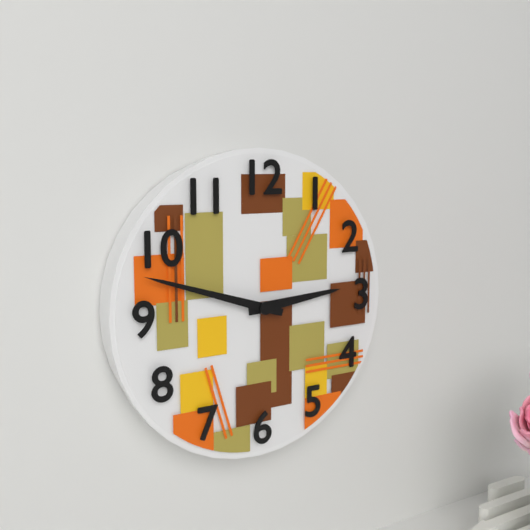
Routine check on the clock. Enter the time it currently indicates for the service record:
2:48
